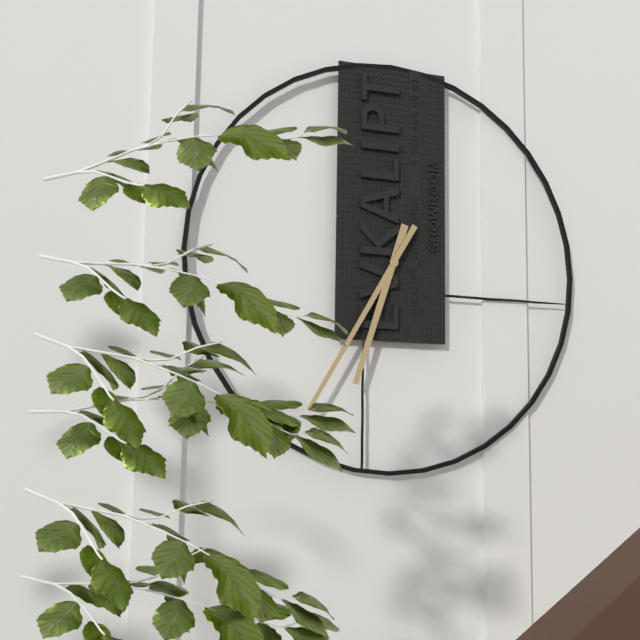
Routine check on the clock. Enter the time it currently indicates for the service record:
6:35
